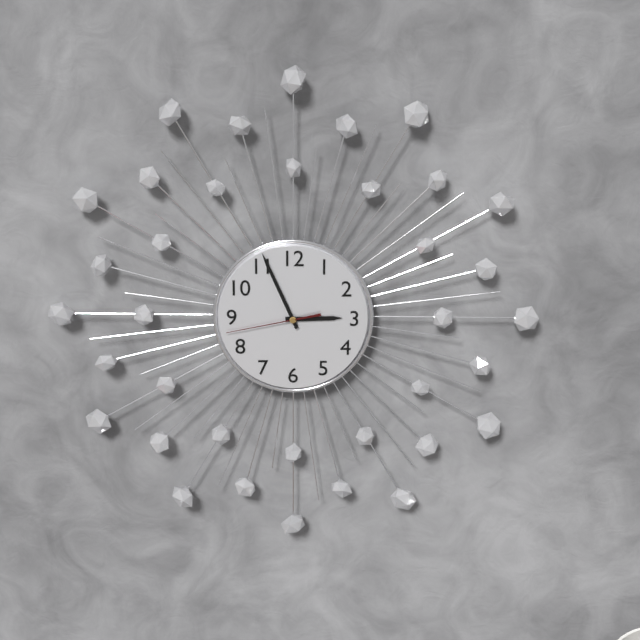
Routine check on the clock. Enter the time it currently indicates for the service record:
2:56:43
